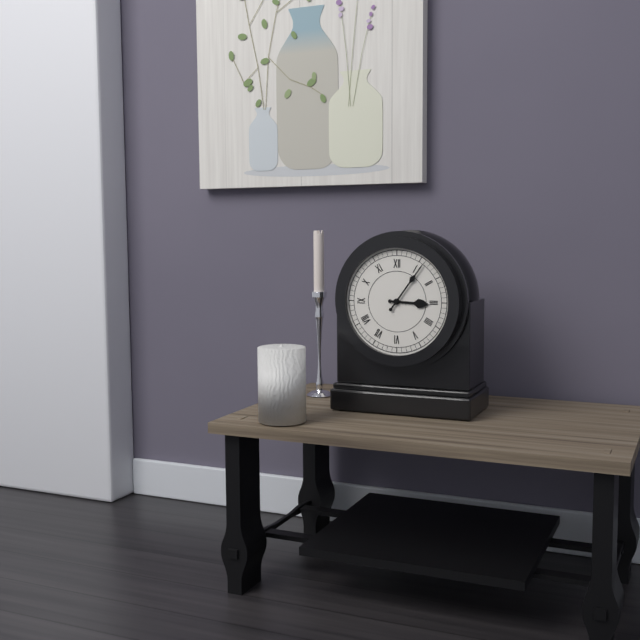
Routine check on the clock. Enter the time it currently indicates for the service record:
3:06
